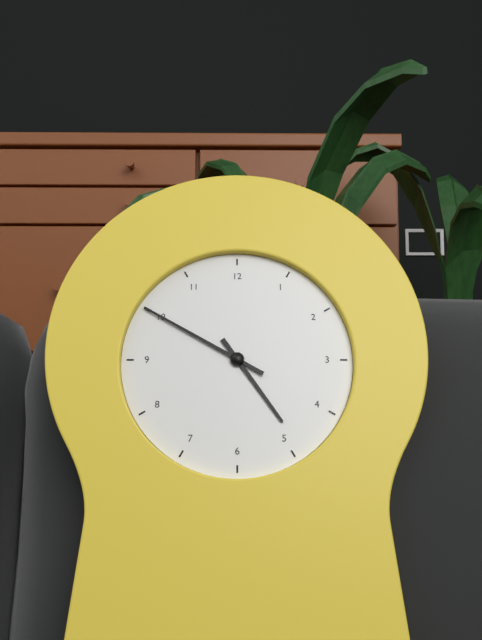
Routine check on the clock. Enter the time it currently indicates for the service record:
4:50
